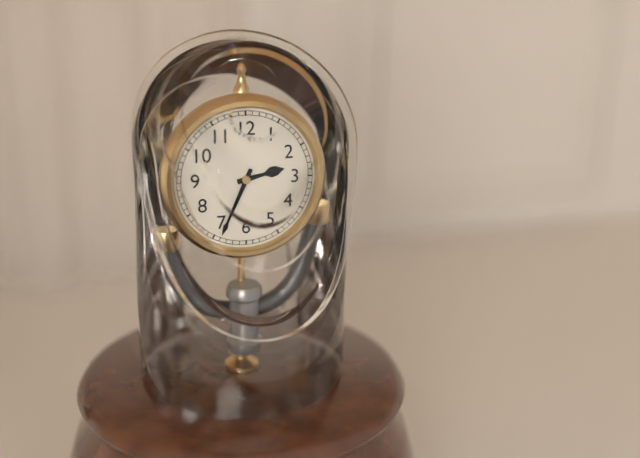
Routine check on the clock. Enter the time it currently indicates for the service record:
2:34
